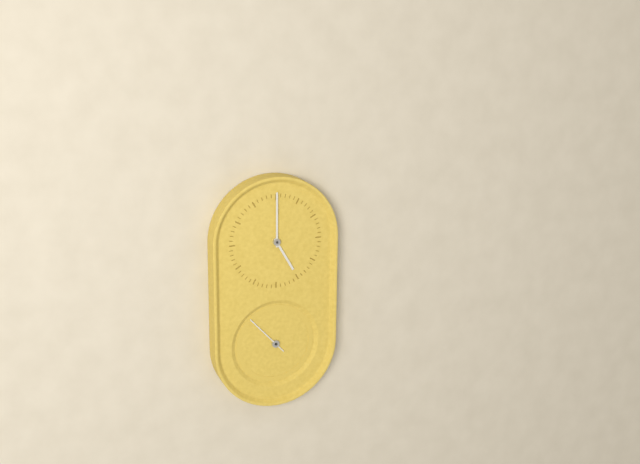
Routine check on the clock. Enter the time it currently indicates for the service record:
5:00
